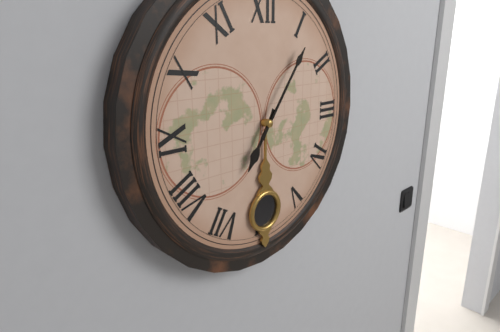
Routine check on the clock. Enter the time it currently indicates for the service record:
7:06
